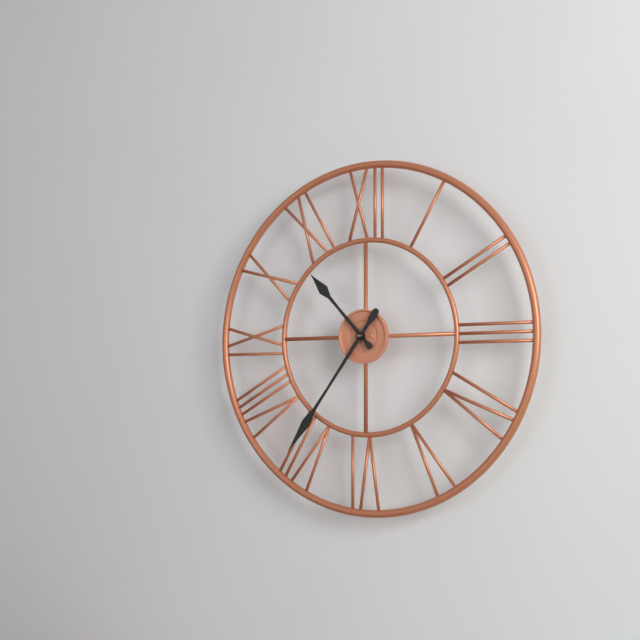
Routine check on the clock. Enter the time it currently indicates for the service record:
10:36
